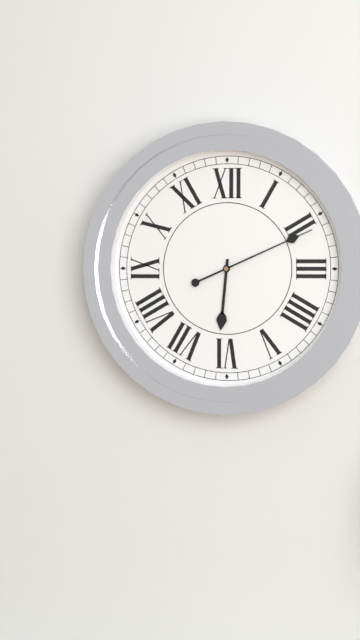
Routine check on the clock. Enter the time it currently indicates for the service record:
6:11
